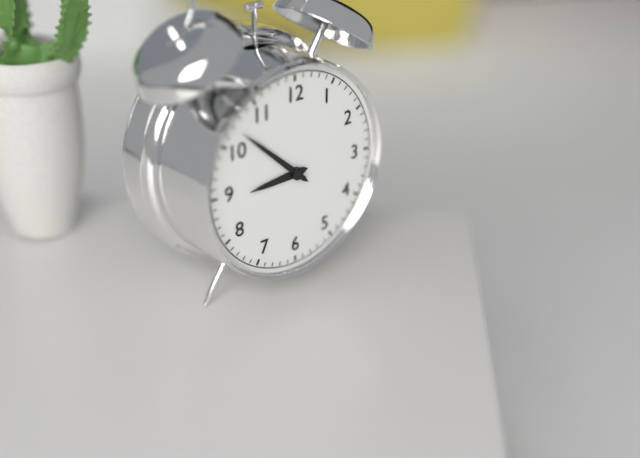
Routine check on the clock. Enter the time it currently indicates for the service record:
8:52
